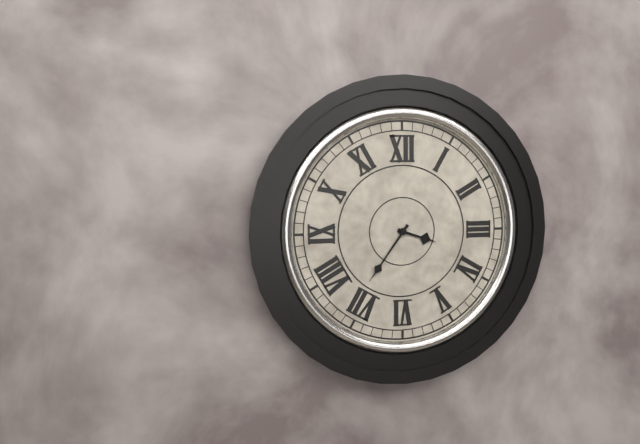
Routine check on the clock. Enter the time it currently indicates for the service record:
3:36
